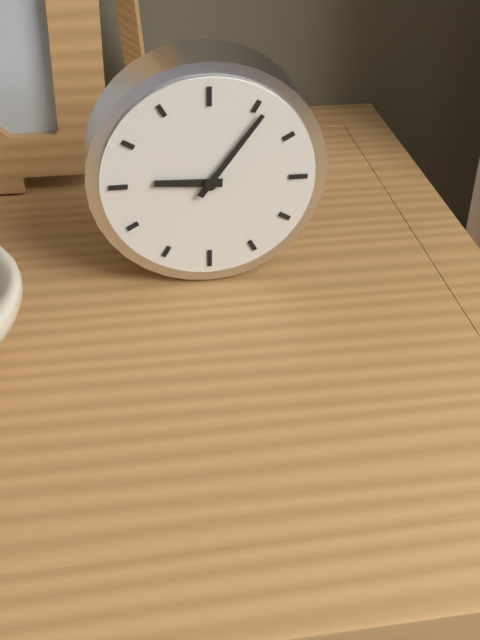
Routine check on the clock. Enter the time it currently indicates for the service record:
9:06
